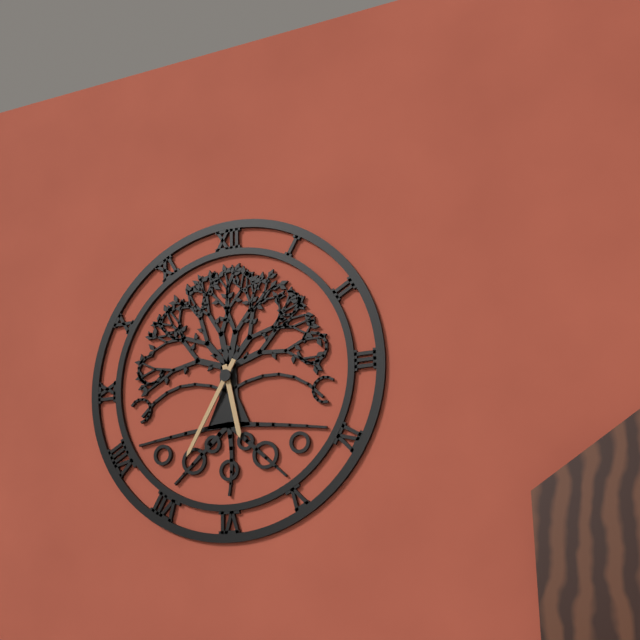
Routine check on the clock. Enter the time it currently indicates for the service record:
5:35
